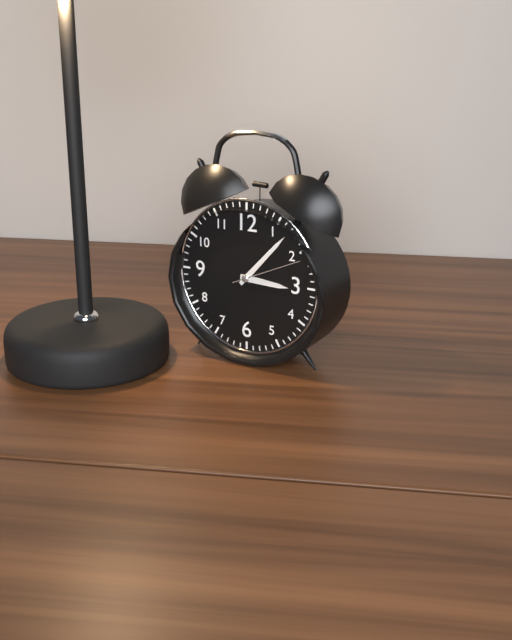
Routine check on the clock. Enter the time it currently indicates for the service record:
3:07:11
